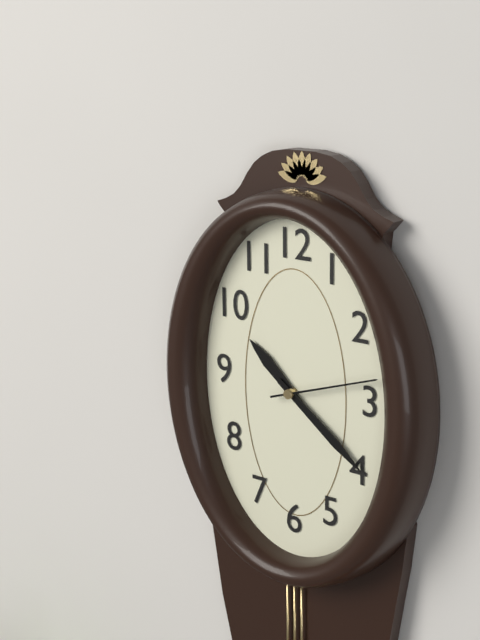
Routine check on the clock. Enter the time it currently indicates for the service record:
10:21:12
